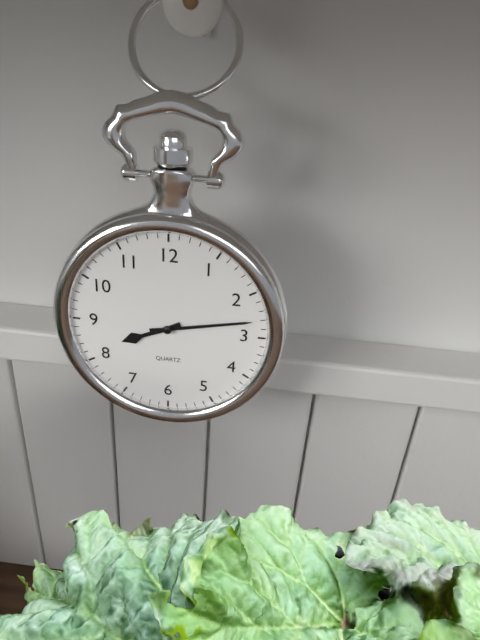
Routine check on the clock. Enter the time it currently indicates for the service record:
8:13
